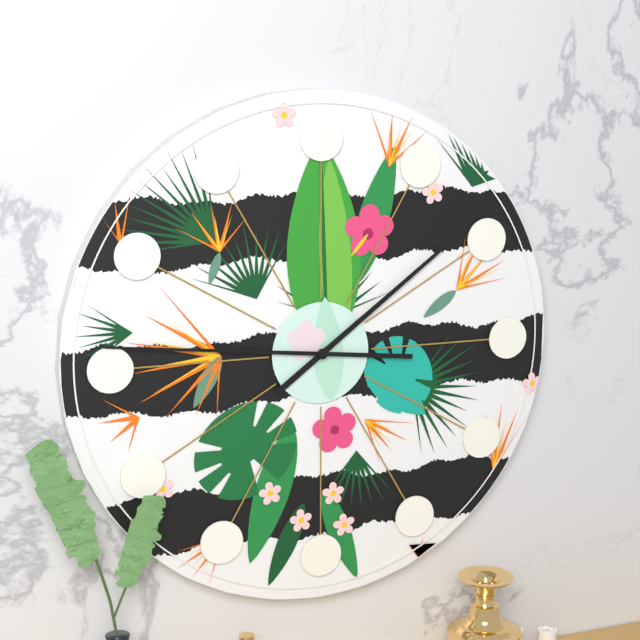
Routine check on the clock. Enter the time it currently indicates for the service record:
1:46
